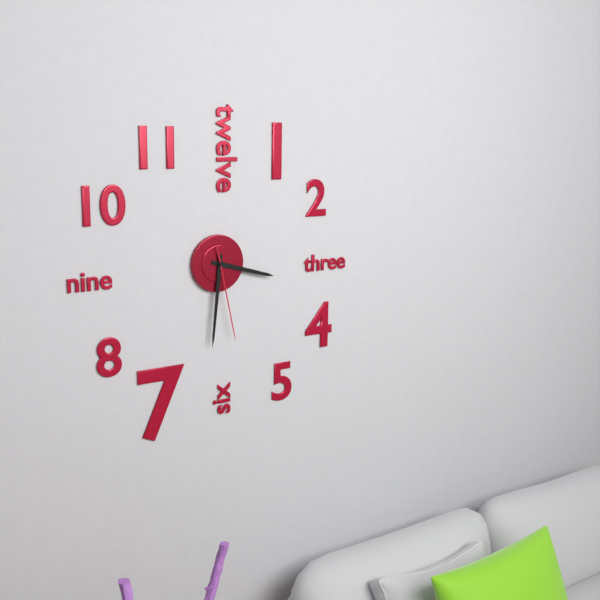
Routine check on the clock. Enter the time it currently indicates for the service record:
3:31:28
